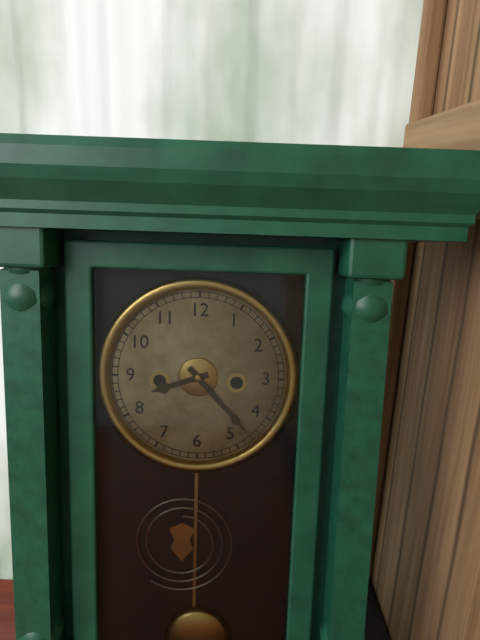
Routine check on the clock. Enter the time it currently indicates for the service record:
8:23
